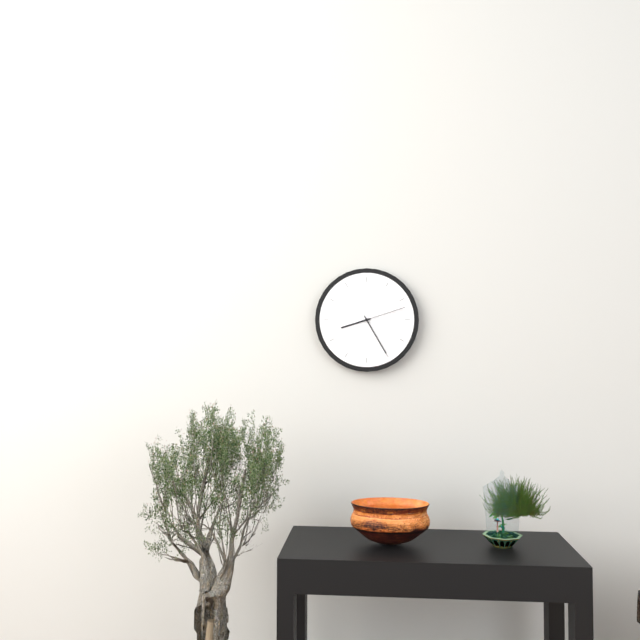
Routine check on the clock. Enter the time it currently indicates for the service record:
8:25:12
